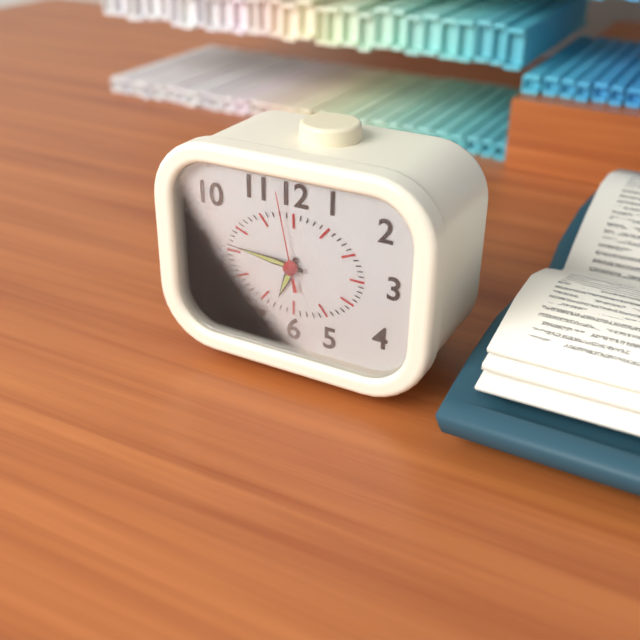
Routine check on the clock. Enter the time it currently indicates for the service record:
6:46:58
